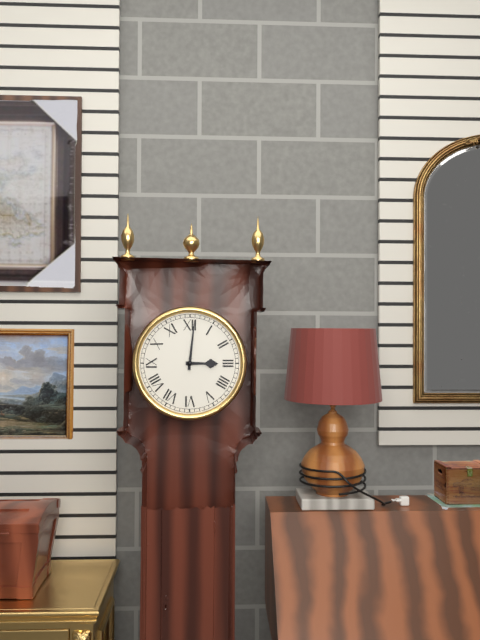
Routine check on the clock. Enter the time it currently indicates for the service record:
3:01
